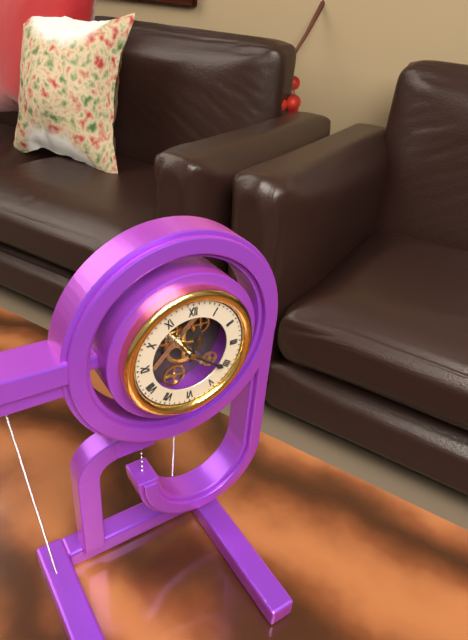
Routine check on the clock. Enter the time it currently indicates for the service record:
12:21
